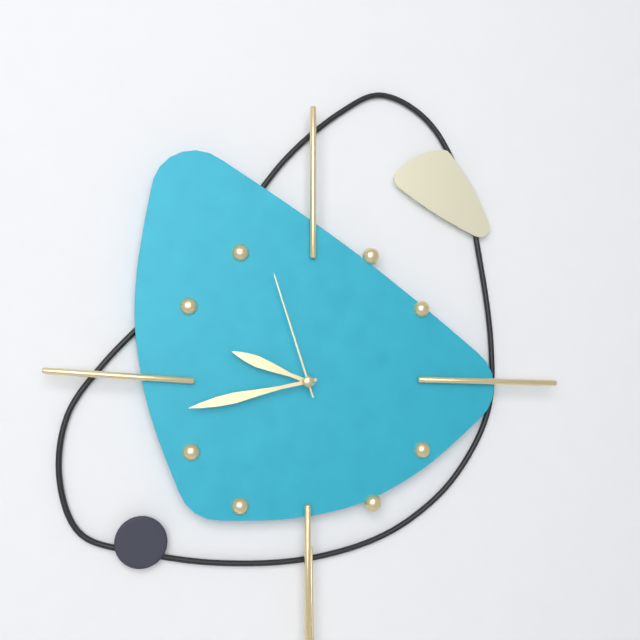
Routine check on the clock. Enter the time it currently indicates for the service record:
9:43:57
